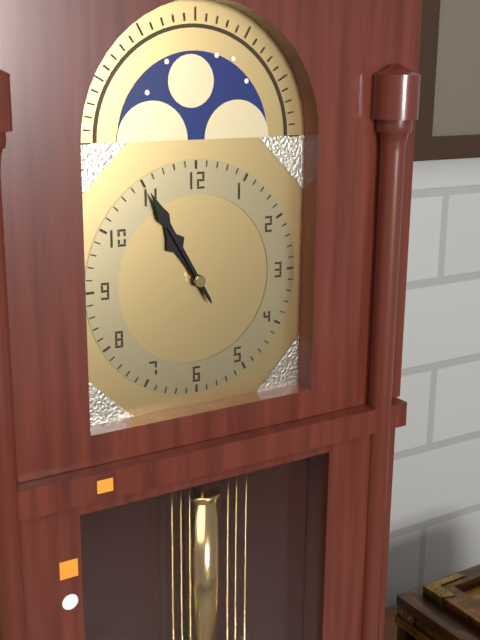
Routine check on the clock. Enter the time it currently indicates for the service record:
10:55
